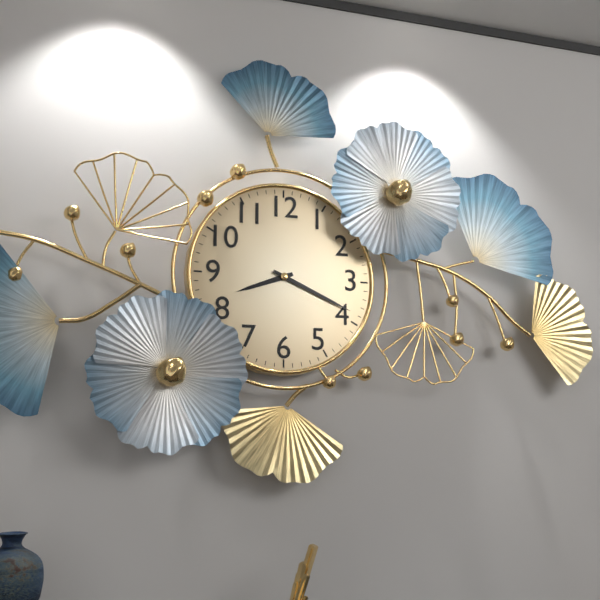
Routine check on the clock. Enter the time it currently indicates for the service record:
8:19
